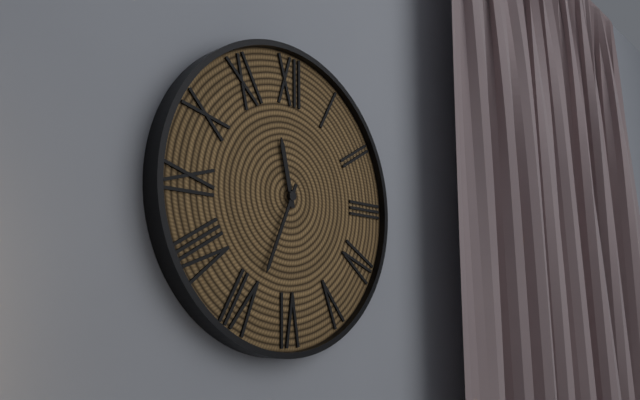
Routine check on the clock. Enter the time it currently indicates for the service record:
11:34
